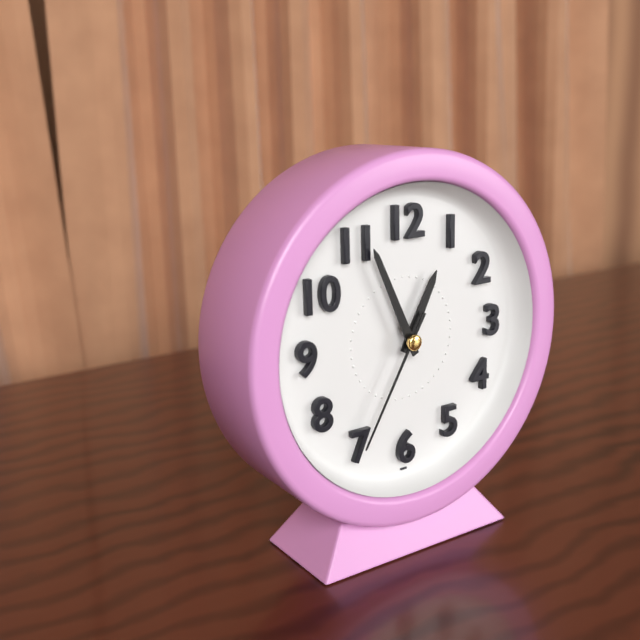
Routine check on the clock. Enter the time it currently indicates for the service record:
12:56:35
